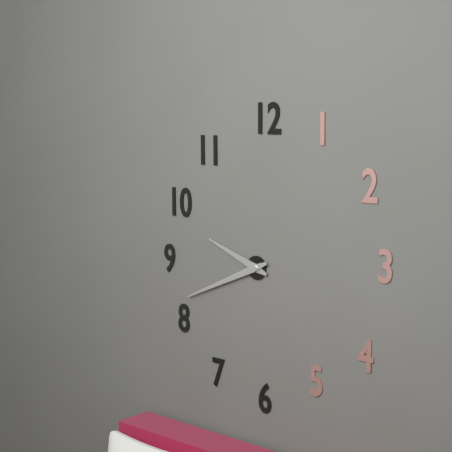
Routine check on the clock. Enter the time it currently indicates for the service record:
9:41
